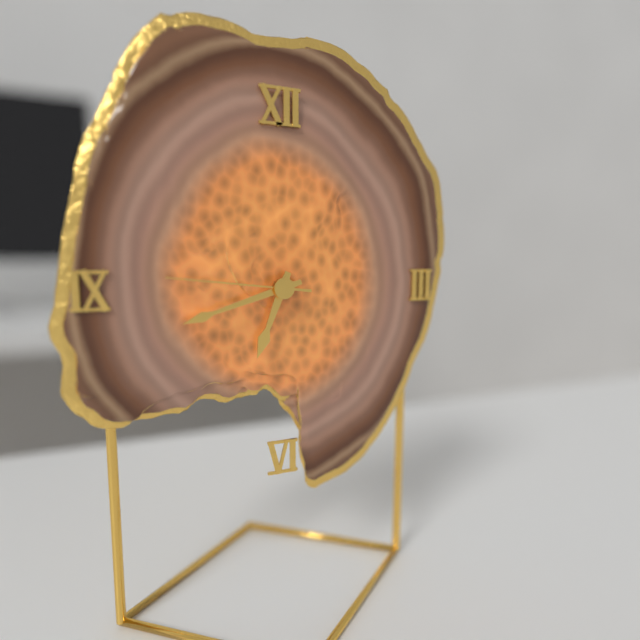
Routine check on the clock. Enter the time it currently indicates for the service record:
6:42:46
